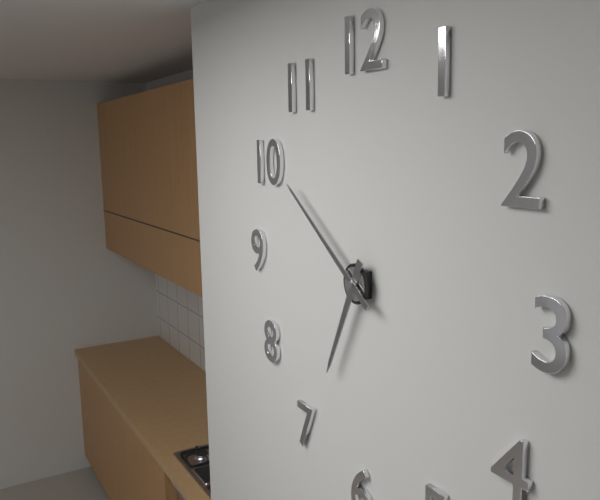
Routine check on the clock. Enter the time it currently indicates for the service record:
6:51
